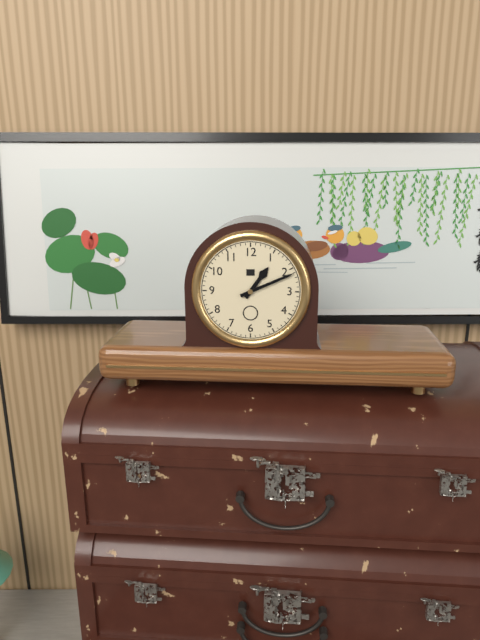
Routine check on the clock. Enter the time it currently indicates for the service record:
1:11
